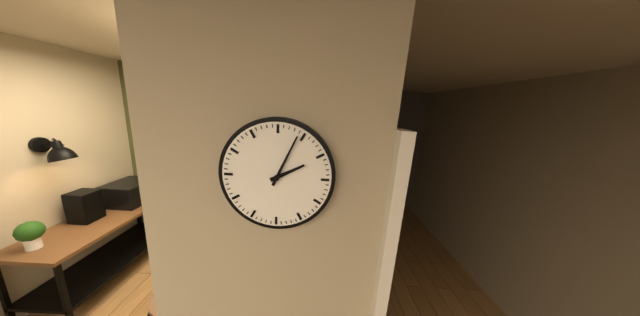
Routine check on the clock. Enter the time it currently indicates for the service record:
2:04
